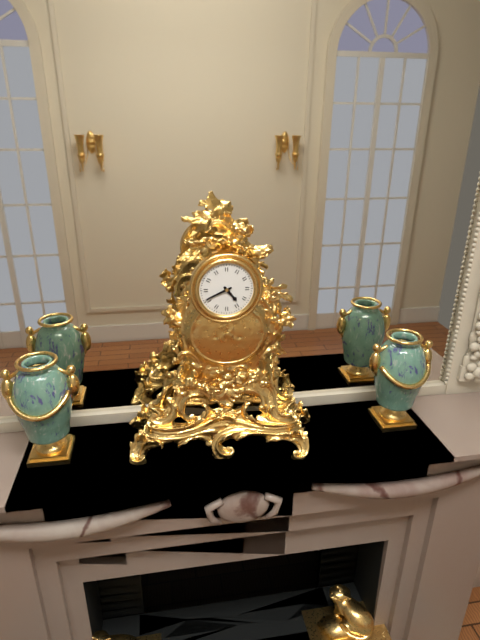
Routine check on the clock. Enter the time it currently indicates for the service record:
4:41
